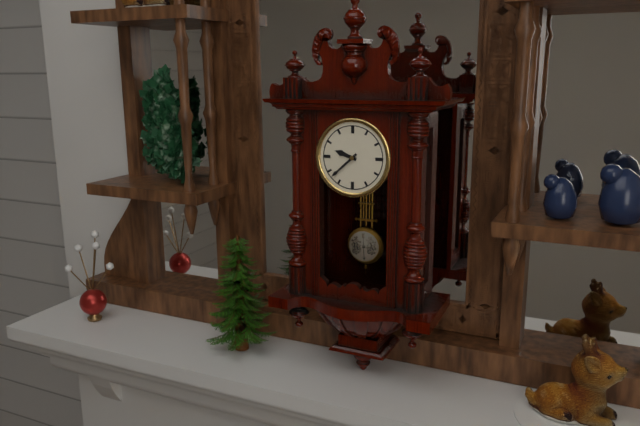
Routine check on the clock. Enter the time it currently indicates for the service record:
9:38
